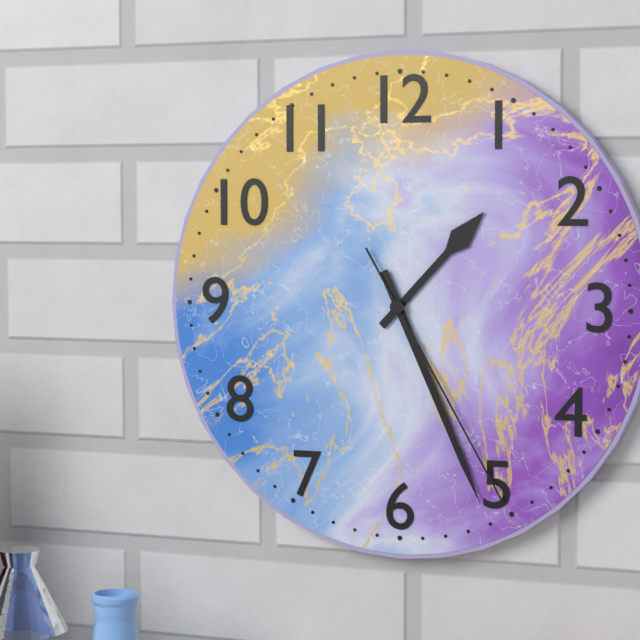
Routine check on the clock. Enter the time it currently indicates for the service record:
1:26:25
